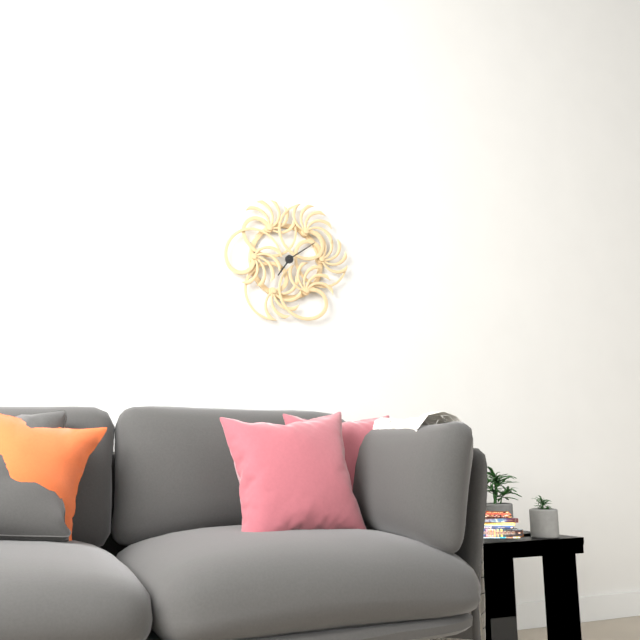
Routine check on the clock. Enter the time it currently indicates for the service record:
7:09
